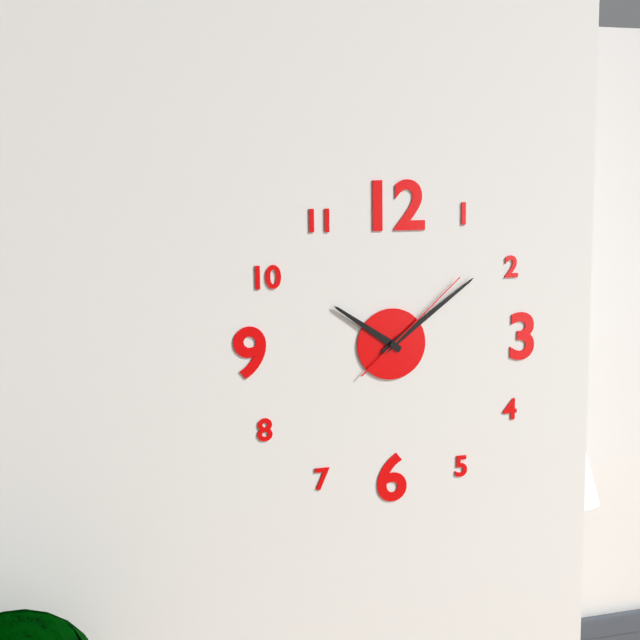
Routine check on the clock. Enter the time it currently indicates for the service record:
10:09:08
